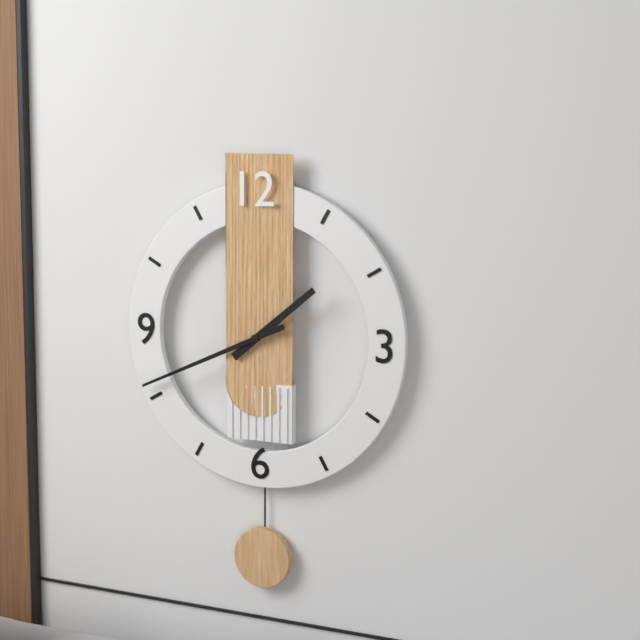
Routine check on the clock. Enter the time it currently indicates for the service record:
1:41
